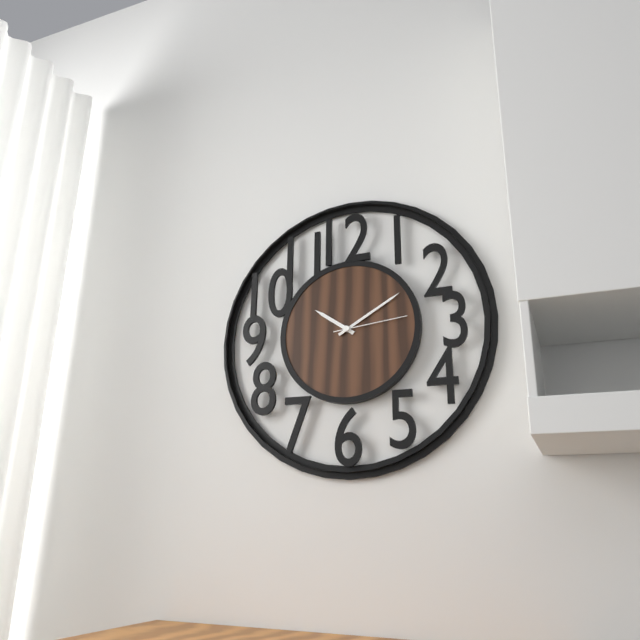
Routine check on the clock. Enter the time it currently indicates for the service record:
10:10:14
